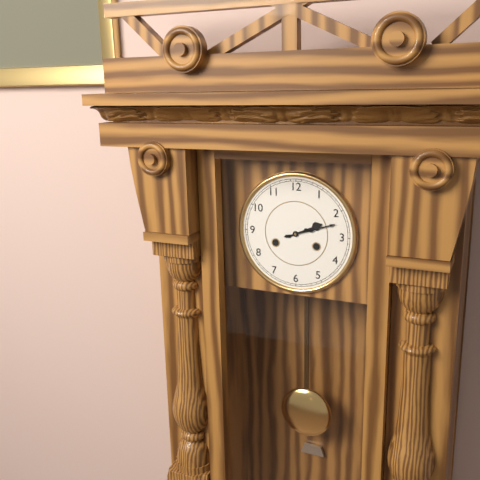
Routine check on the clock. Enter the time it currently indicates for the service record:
2:12
